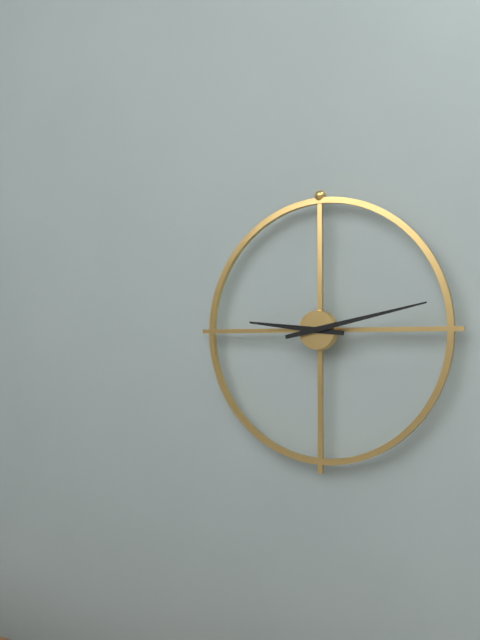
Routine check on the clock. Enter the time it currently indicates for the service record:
9:13
